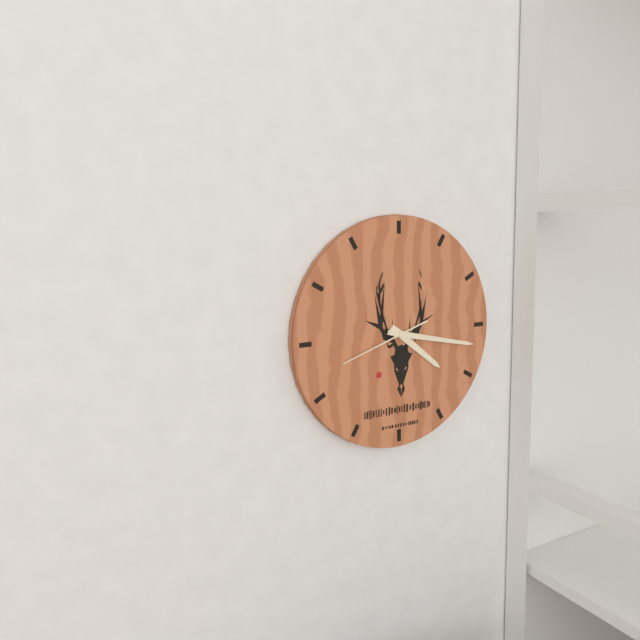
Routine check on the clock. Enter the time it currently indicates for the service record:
4:17:42
